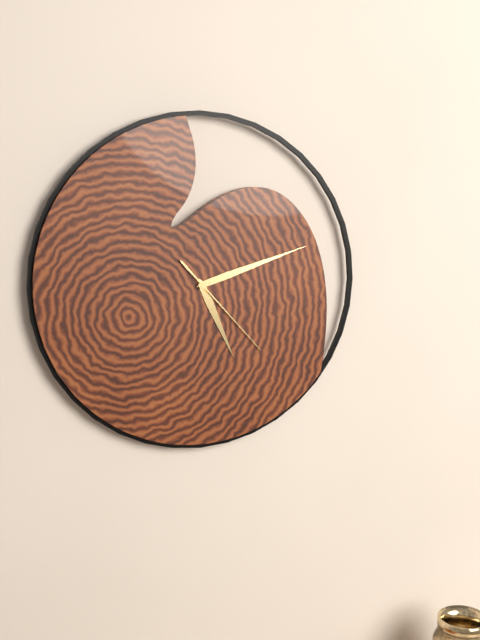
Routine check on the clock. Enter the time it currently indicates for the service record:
5:12:23
